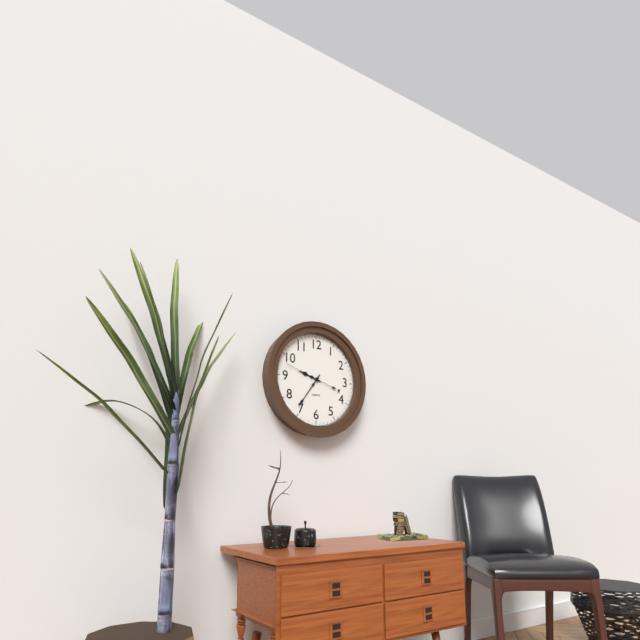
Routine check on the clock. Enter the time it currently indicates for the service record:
9:36
